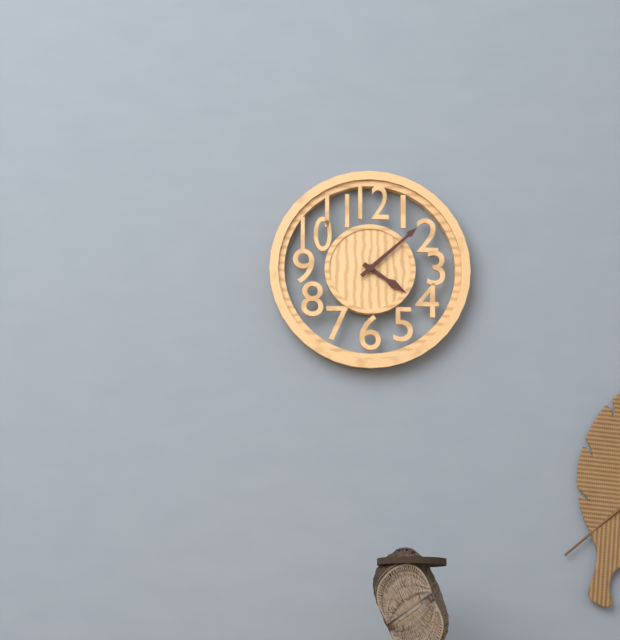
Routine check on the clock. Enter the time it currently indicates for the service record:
4:08
